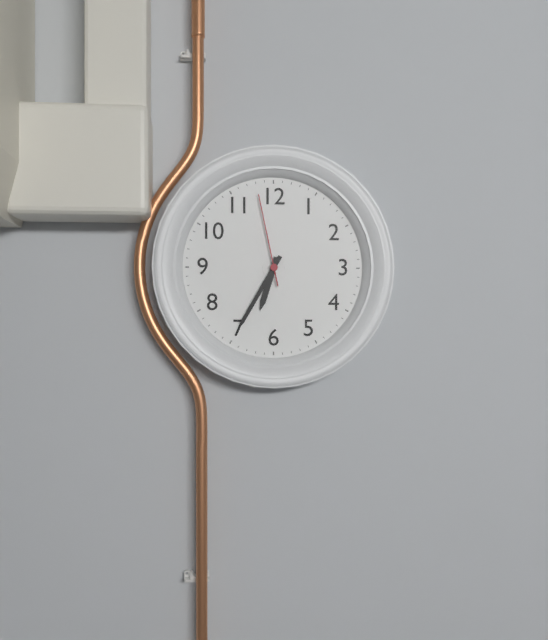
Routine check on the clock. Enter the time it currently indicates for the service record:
6:35:58
